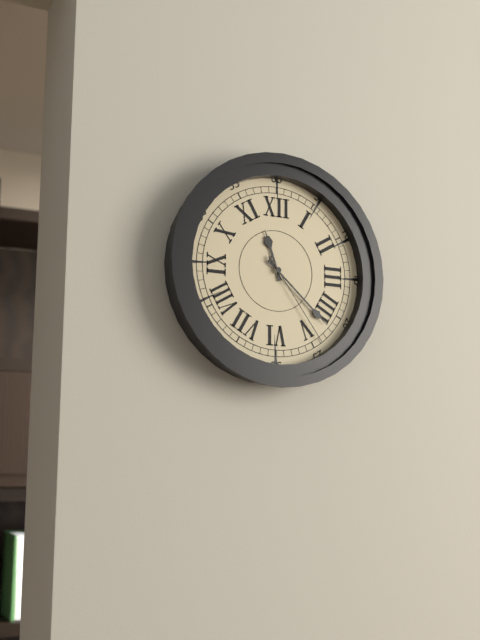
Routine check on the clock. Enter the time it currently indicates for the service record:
11:22:24
